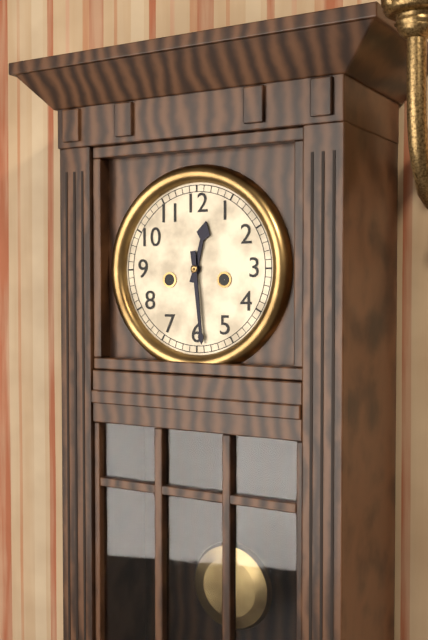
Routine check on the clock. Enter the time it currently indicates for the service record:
12:29
